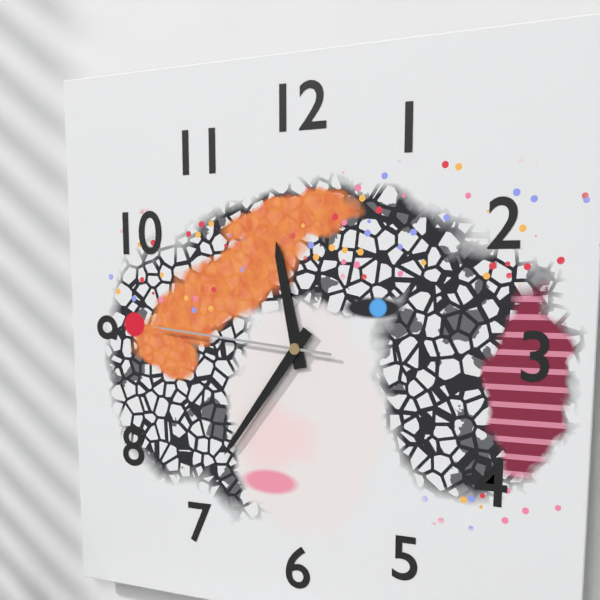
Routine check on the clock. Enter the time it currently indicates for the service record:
11:36:46
